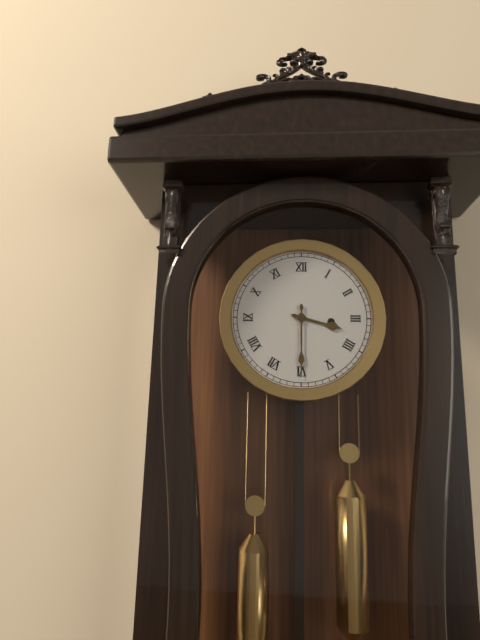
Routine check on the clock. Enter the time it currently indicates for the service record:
3:30
